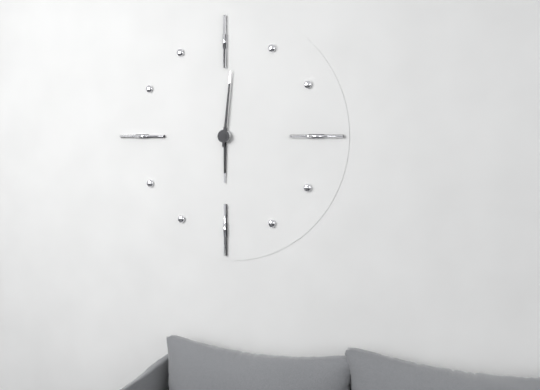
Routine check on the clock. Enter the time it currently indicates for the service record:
6:01
